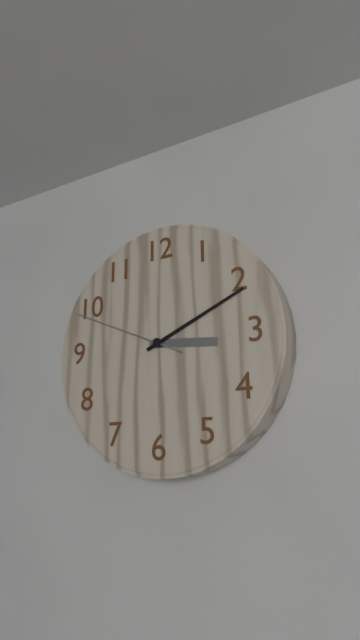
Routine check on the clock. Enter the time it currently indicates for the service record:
3:11:49
